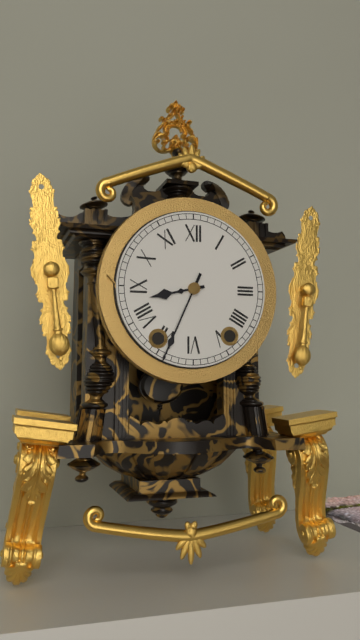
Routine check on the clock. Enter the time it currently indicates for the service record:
8:34
